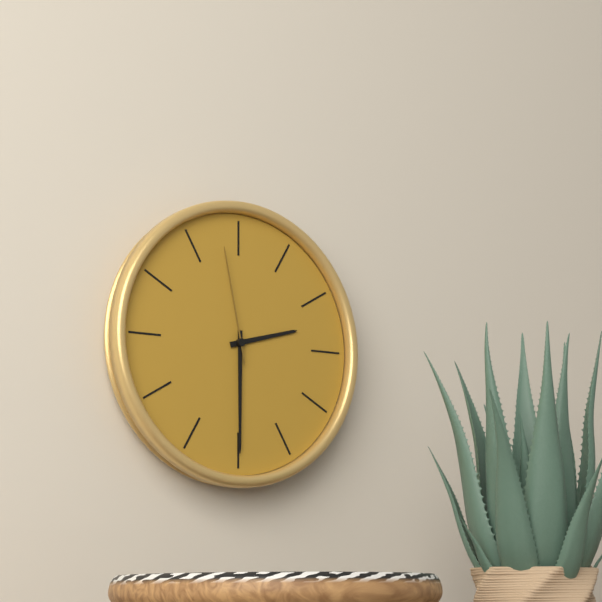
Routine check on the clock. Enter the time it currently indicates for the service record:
2:30:58
